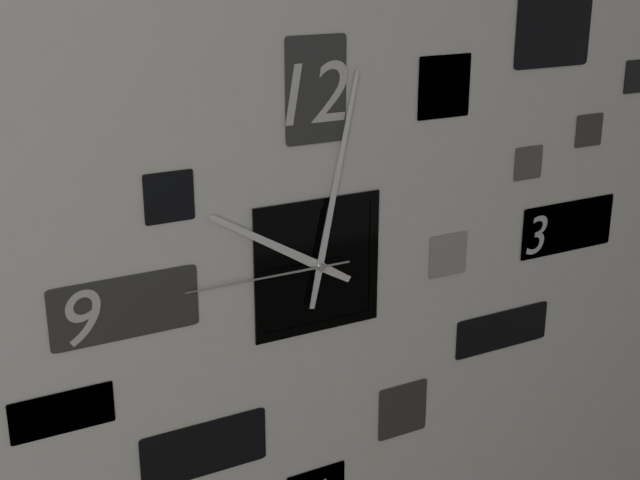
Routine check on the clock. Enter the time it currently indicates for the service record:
10:02:45
